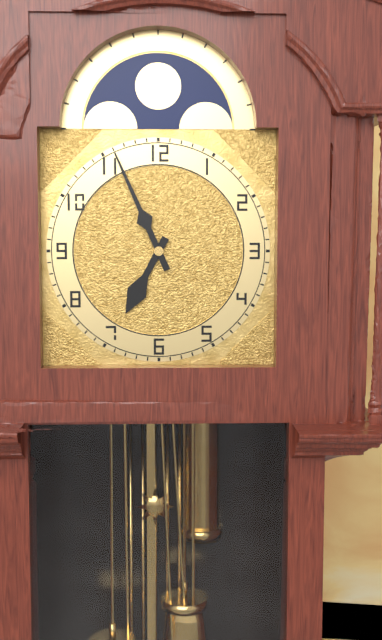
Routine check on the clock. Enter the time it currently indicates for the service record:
6:56
